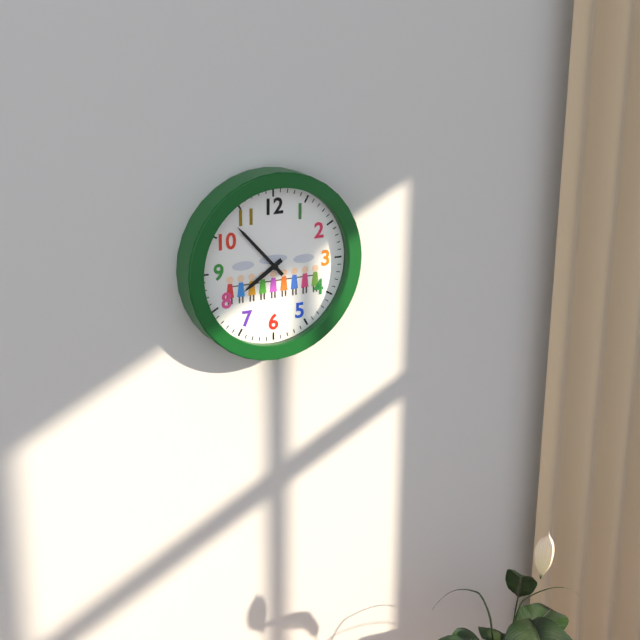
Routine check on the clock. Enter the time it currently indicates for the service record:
7:53
